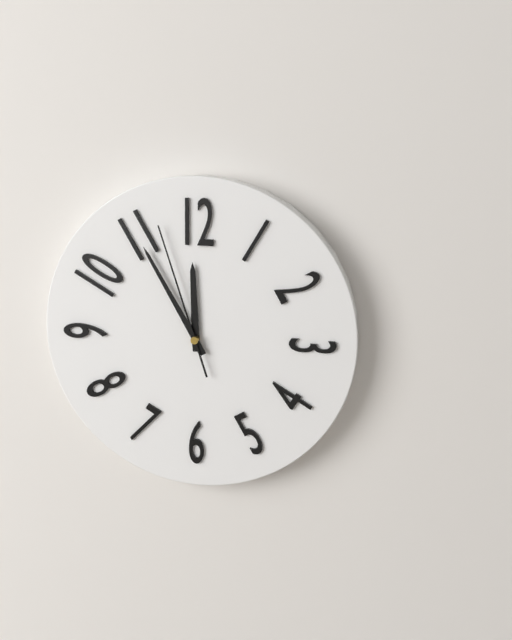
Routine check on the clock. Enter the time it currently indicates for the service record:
11:55:57
